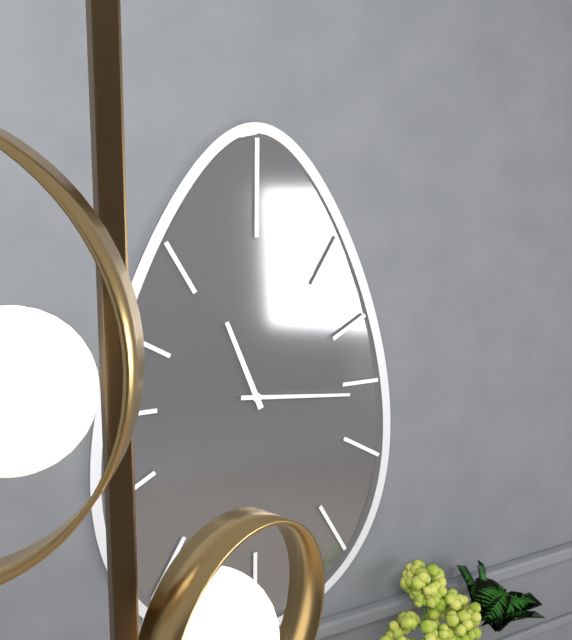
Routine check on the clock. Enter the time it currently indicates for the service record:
11:16
